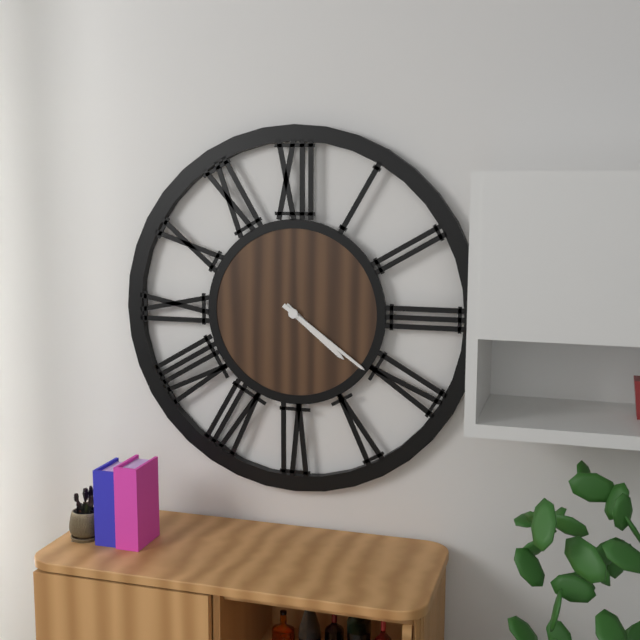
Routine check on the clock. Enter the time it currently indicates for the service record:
4:21
